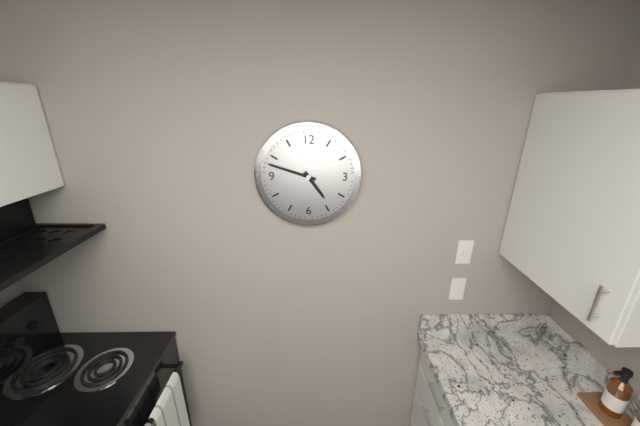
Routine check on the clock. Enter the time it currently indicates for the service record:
4:48
